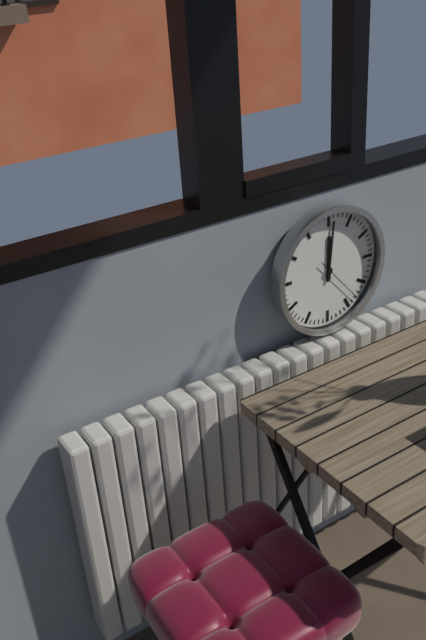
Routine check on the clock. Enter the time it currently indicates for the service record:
12:01
